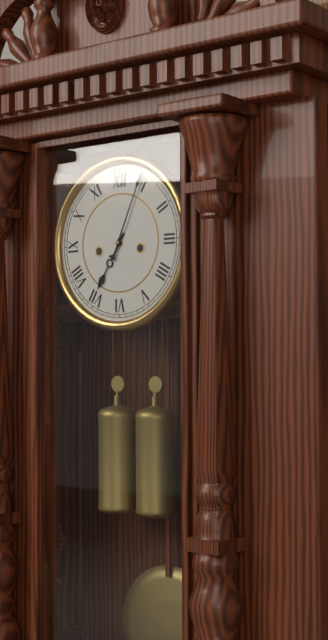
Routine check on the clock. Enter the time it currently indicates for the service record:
7:04
